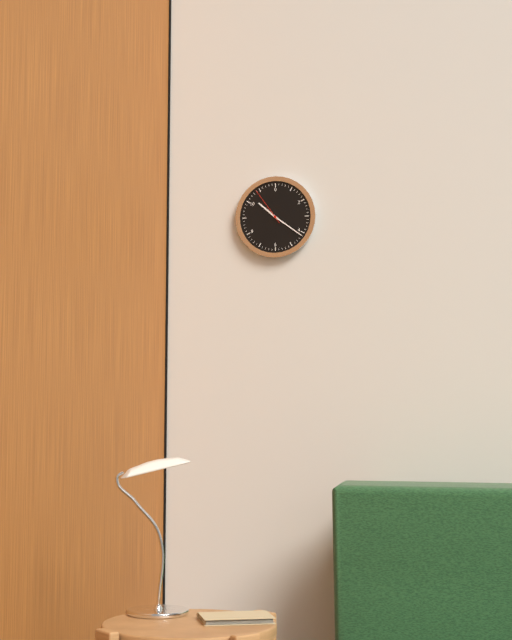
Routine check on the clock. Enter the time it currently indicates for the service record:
10:21
